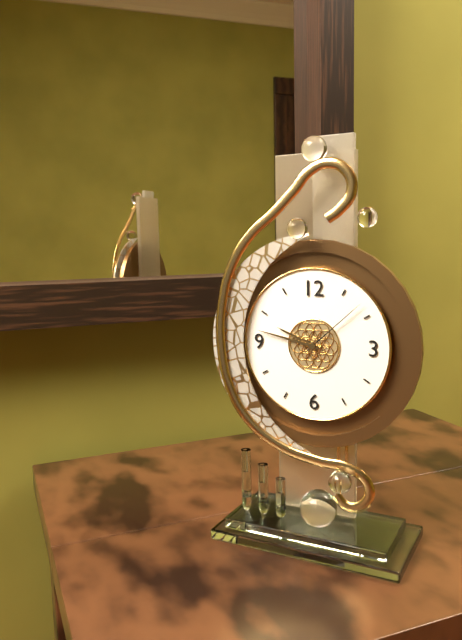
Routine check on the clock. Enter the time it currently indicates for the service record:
9:47:08
